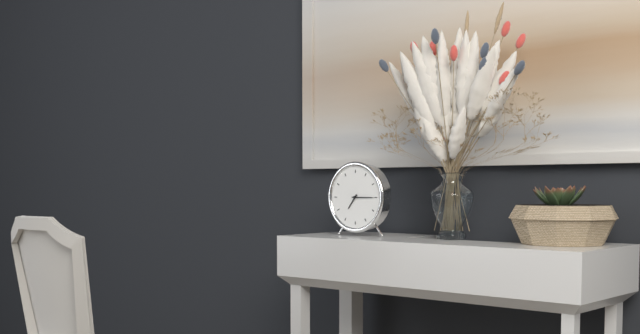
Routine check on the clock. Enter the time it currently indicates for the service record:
7:15
